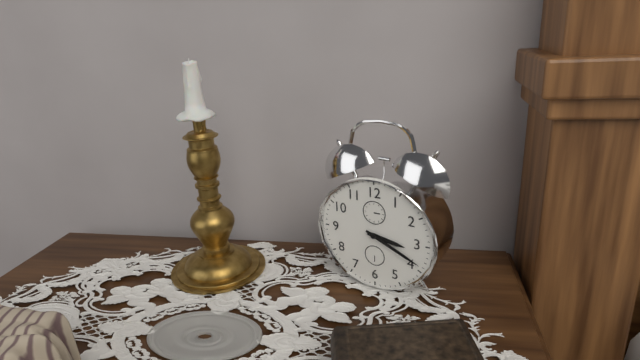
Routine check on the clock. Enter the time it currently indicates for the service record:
3:19
